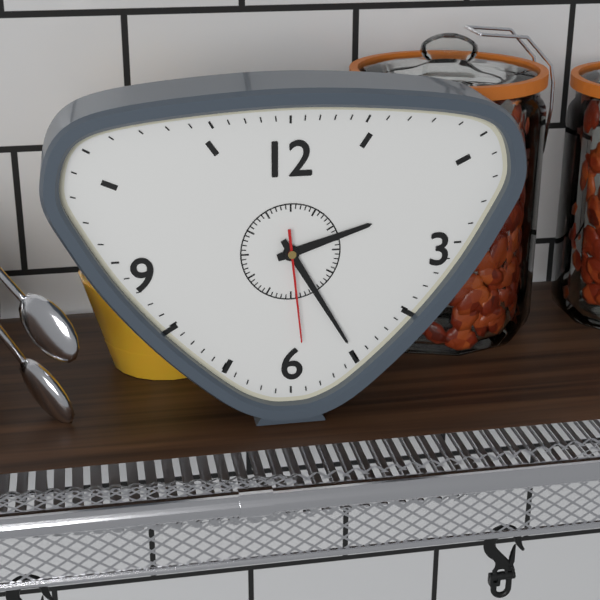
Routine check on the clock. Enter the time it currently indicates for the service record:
2:25:29
